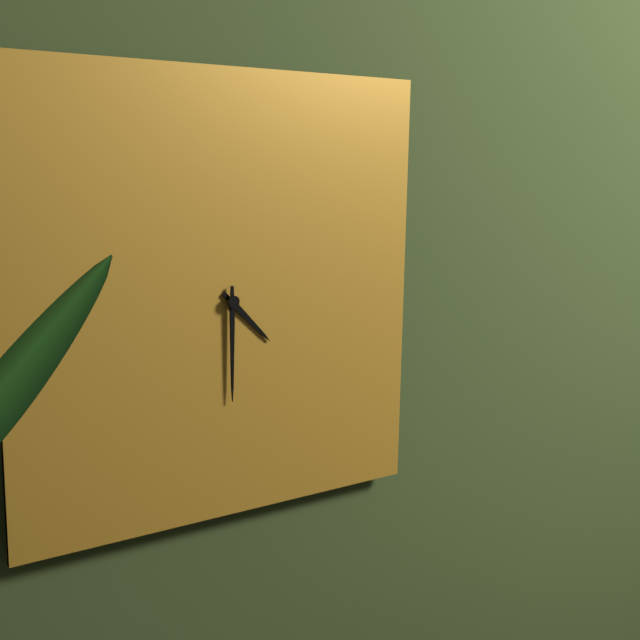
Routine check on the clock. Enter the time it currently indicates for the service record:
4:30
